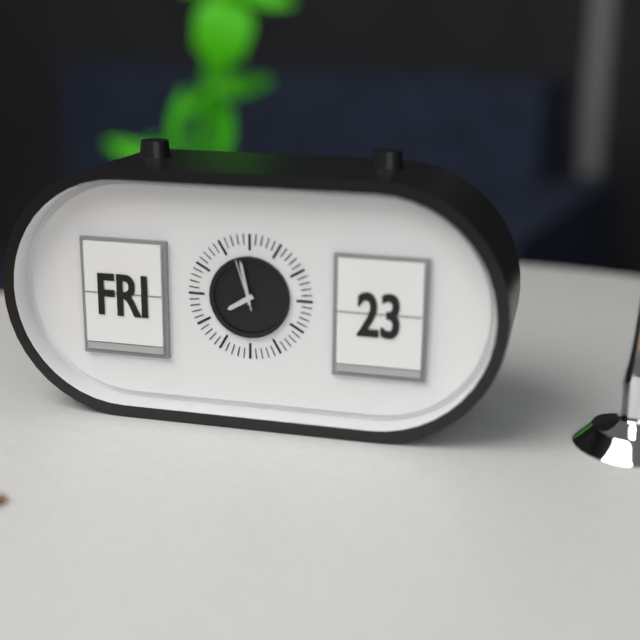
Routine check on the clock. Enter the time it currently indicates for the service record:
7:58:57
